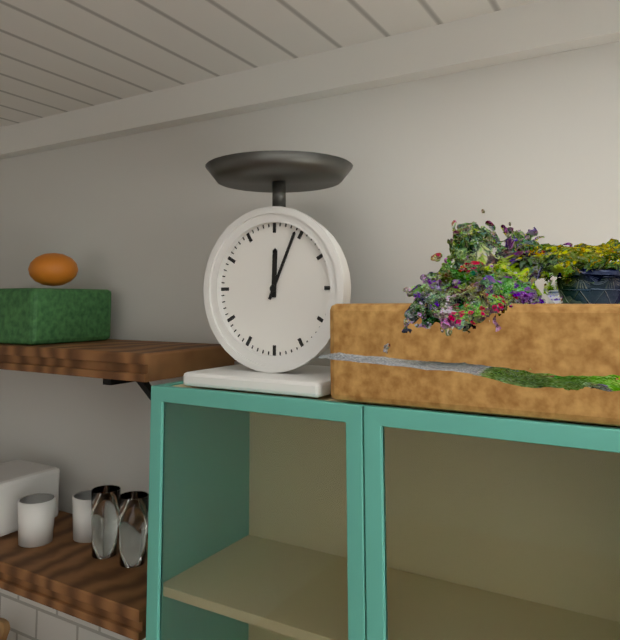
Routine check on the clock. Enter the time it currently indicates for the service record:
12:04
